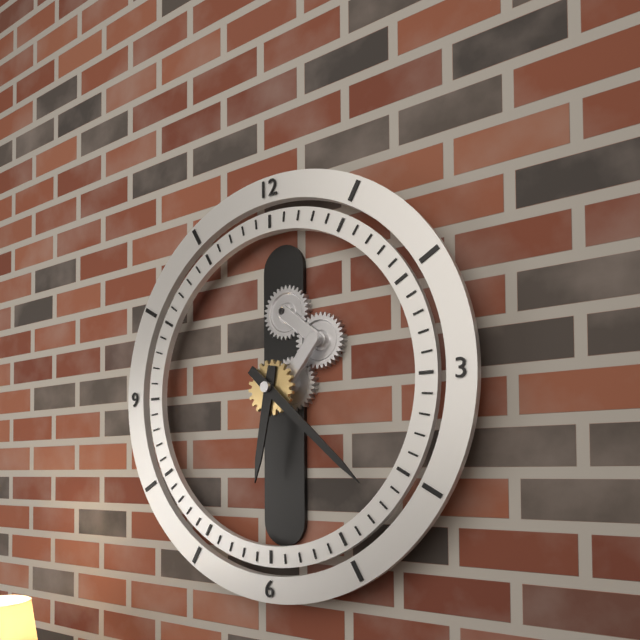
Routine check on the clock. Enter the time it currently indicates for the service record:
6:22
